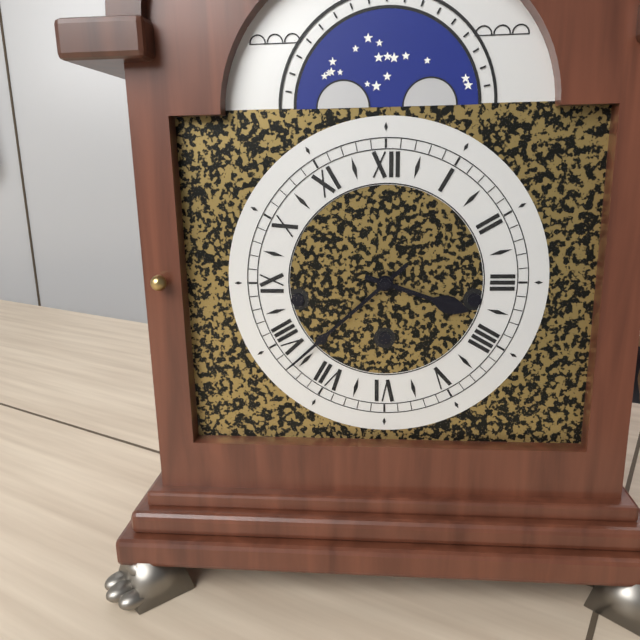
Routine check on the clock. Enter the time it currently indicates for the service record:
3:38
